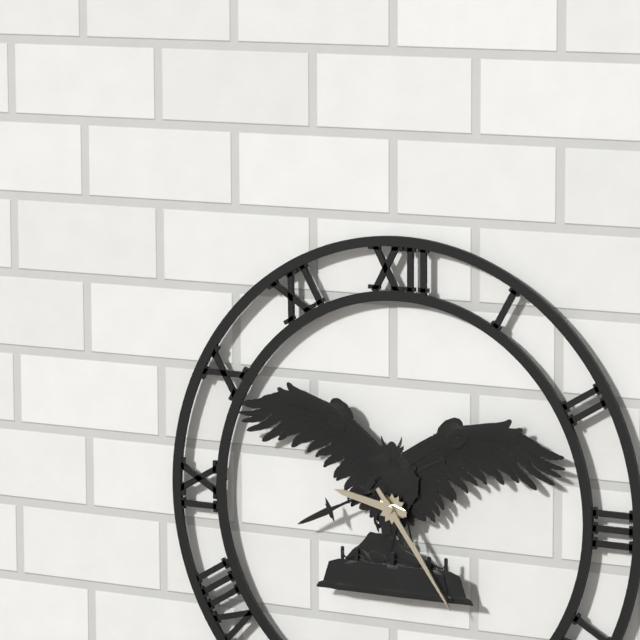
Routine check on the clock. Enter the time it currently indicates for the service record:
9:24
